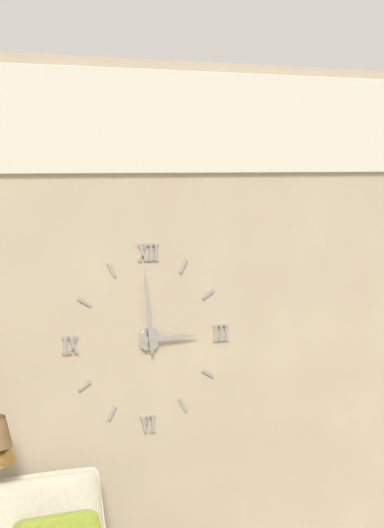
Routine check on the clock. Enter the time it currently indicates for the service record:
2:59
